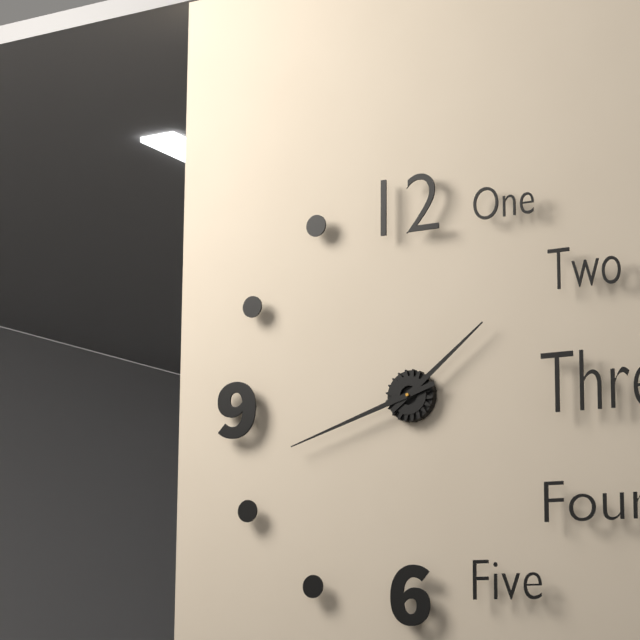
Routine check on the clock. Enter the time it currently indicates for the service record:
1:42
